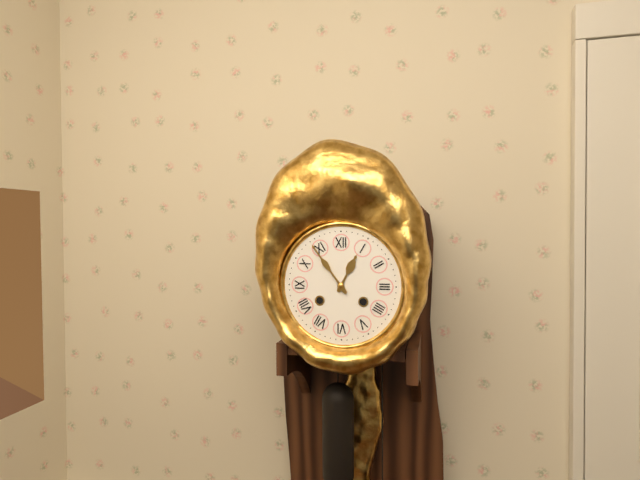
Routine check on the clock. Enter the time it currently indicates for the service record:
12:54
